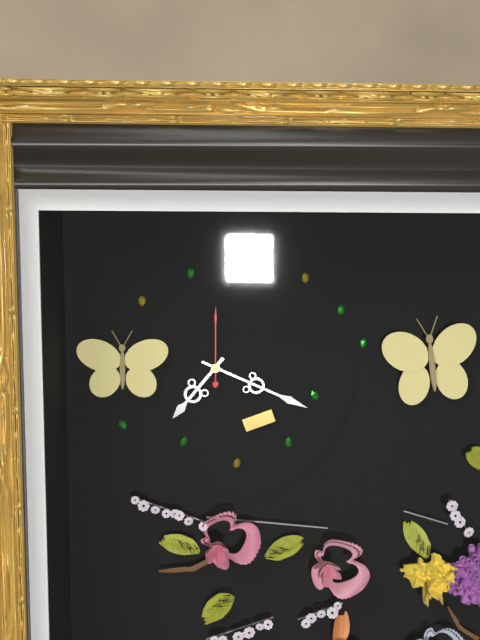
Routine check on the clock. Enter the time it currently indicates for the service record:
7:19:00
